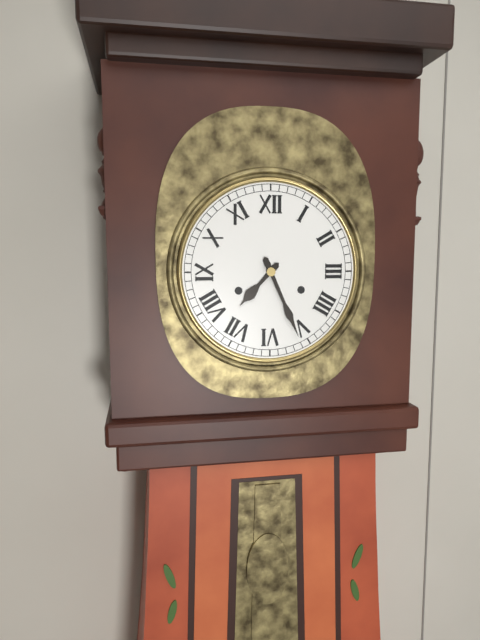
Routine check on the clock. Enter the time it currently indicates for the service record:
7:26
